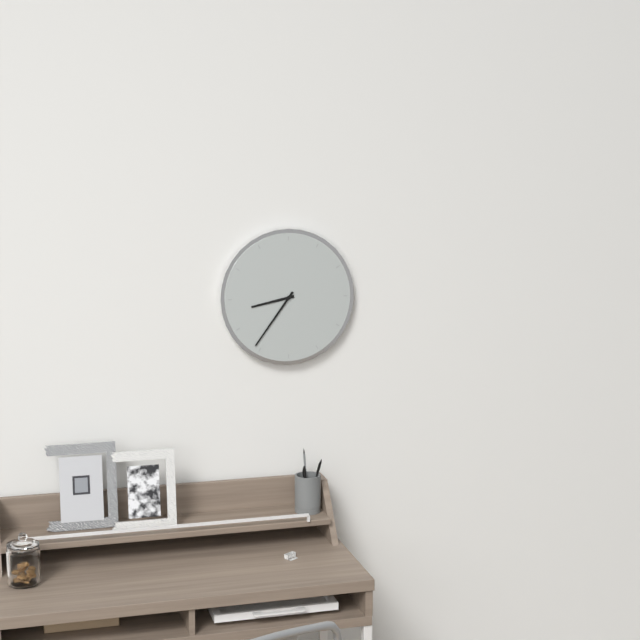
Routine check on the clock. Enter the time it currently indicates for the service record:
8:36
